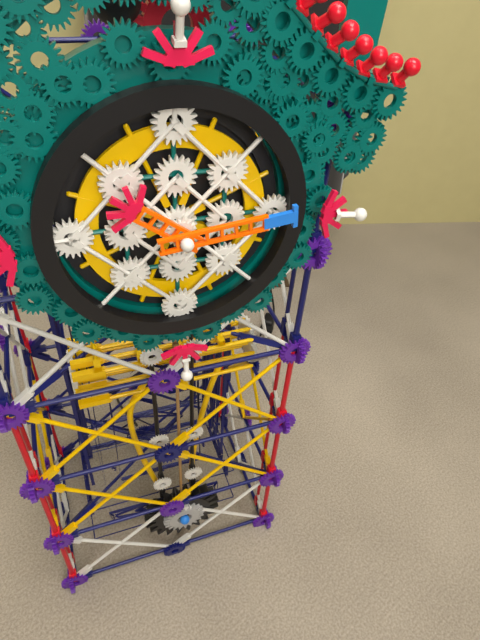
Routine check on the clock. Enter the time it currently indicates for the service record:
10:14
